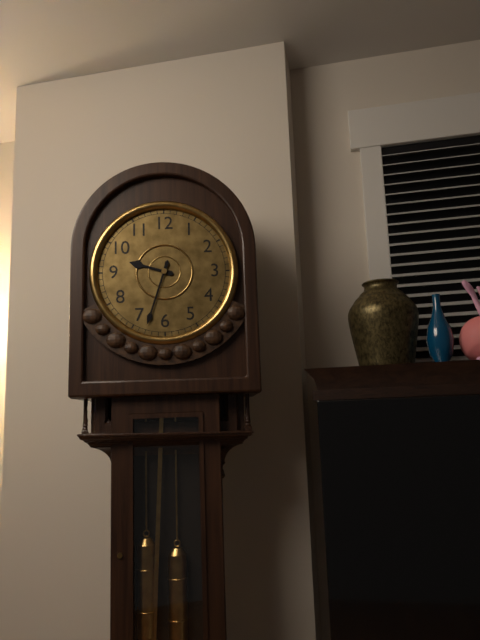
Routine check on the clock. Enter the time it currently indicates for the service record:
9:33
